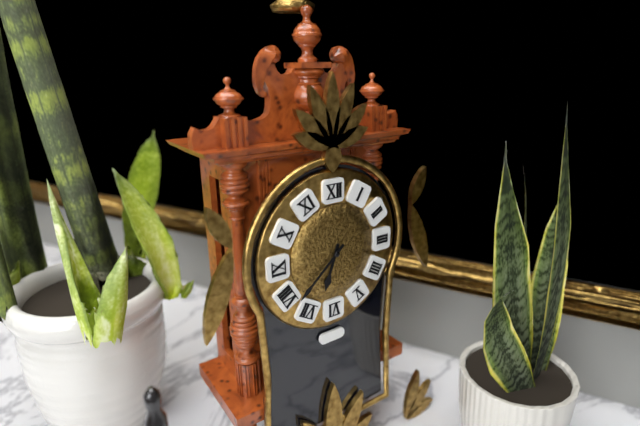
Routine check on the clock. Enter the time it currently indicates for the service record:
6:38
